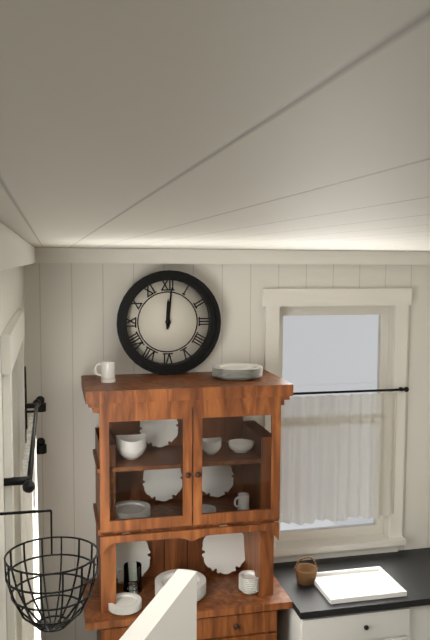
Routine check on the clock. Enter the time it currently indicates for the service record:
12:01
